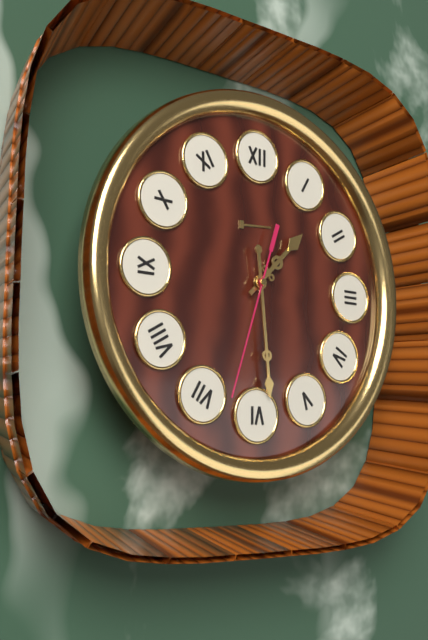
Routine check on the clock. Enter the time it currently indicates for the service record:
1:29:33
